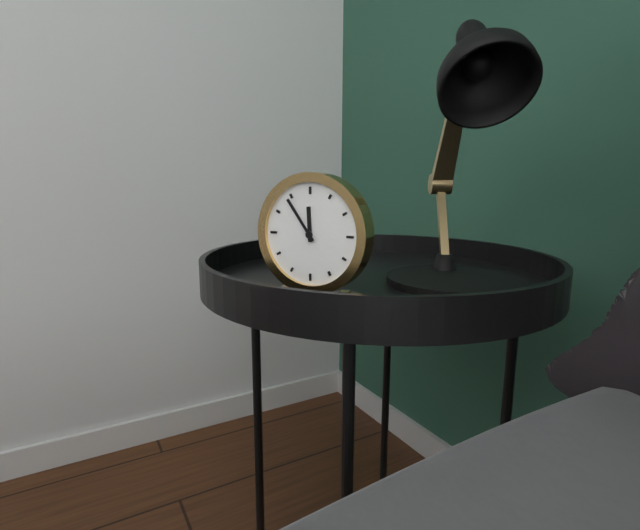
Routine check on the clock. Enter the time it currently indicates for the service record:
11:54
